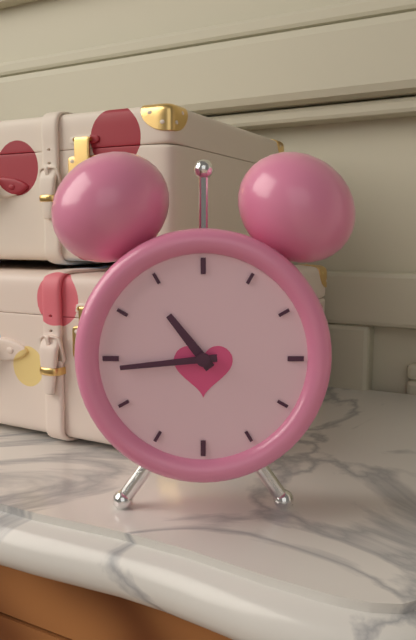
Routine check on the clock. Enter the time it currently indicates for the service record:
10:44
